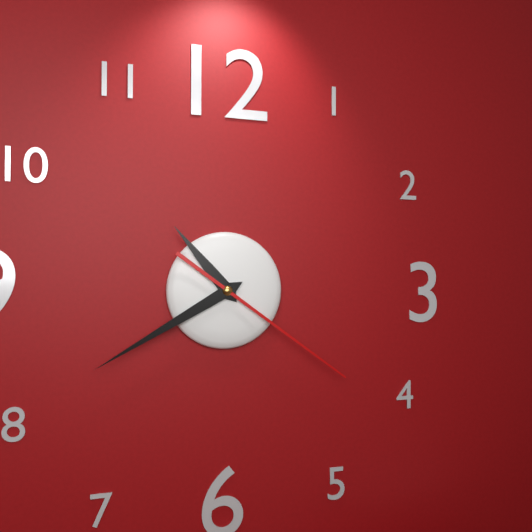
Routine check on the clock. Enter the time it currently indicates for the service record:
10:40:21
